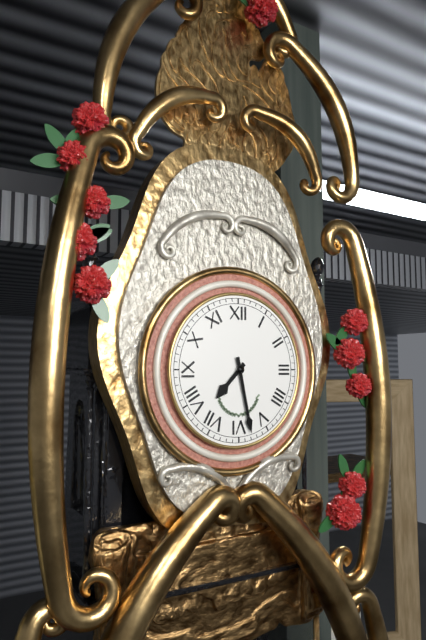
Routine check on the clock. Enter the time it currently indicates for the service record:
7:28
